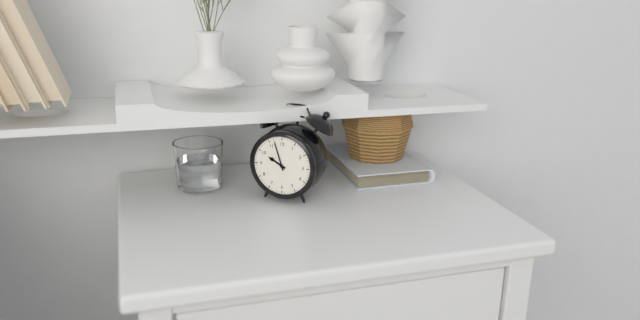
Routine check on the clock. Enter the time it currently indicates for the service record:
9:57
